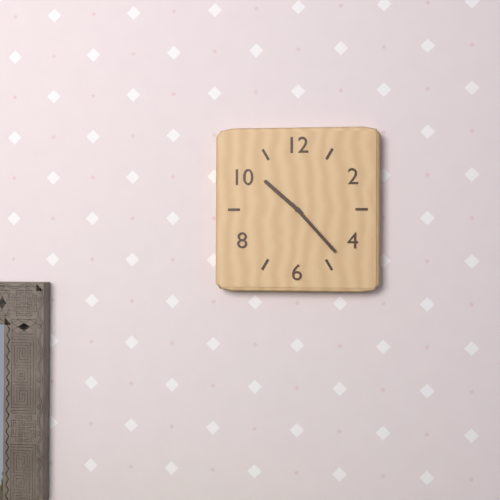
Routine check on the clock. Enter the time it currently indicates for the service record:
10:23
